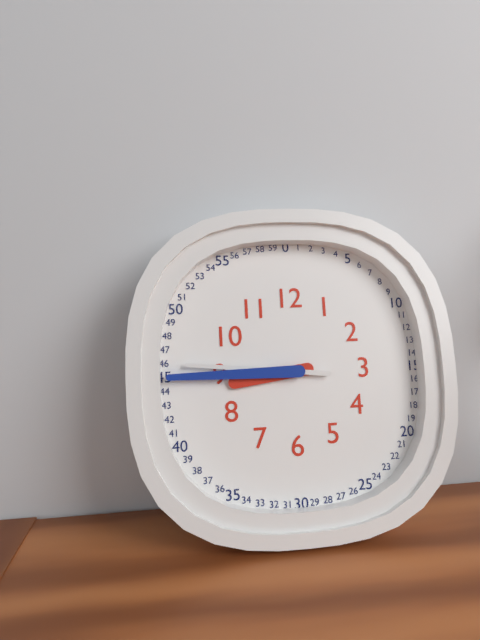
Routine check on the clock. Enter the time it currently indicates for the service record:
8:45:46
